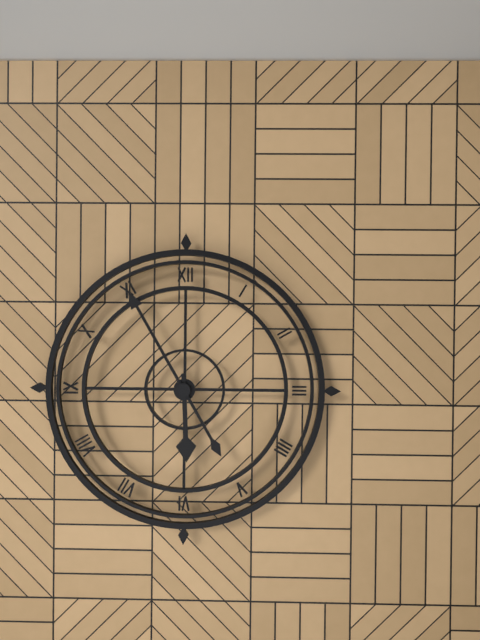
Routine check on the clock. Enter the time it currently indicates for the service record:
5:55
